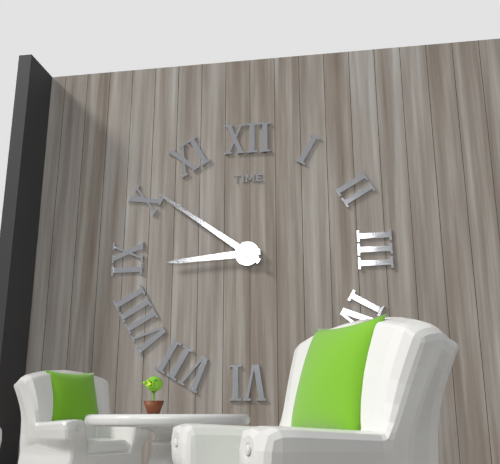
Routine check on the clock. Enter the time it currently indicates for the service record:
8:51
